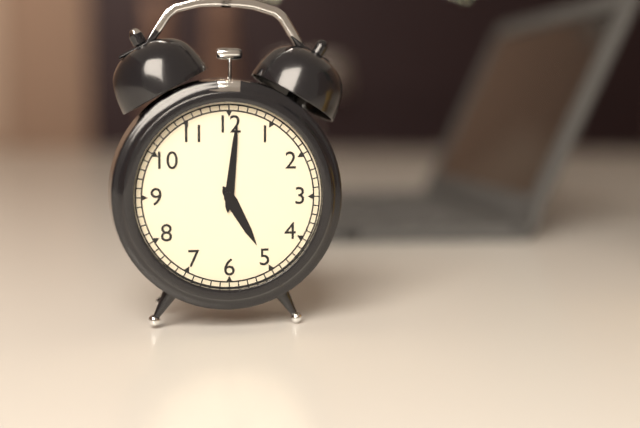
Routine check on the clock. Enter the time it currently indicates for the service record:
5:01
